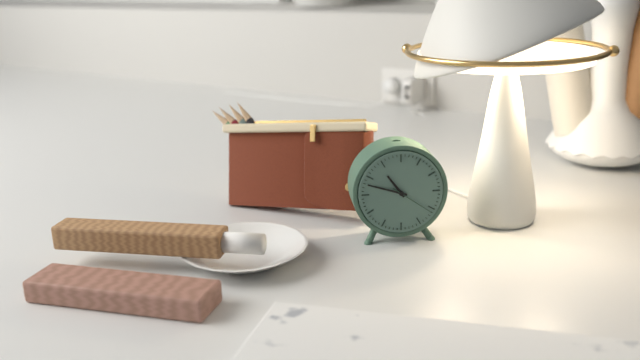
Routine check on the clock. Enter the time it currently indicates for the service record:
10:48
